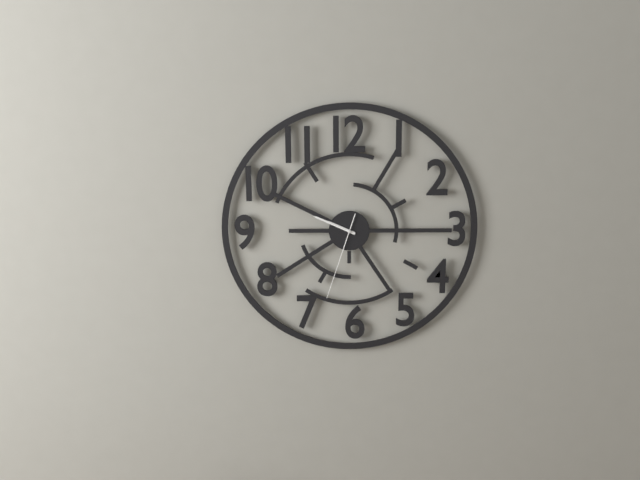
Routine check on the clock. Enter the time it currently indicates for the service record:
9:49:33
